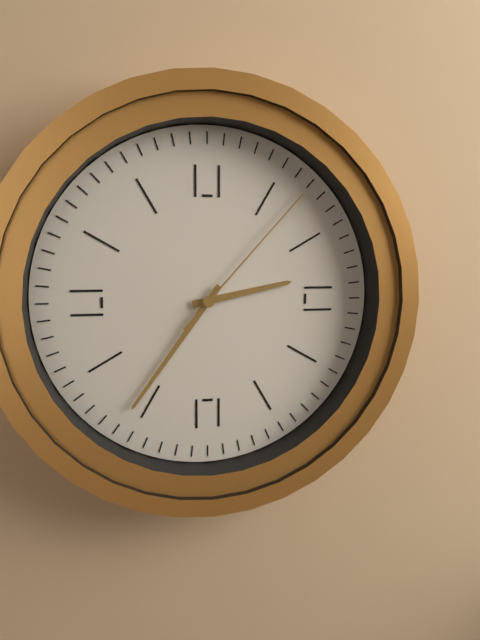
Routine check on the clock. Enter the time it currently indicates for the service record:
2:36:07
